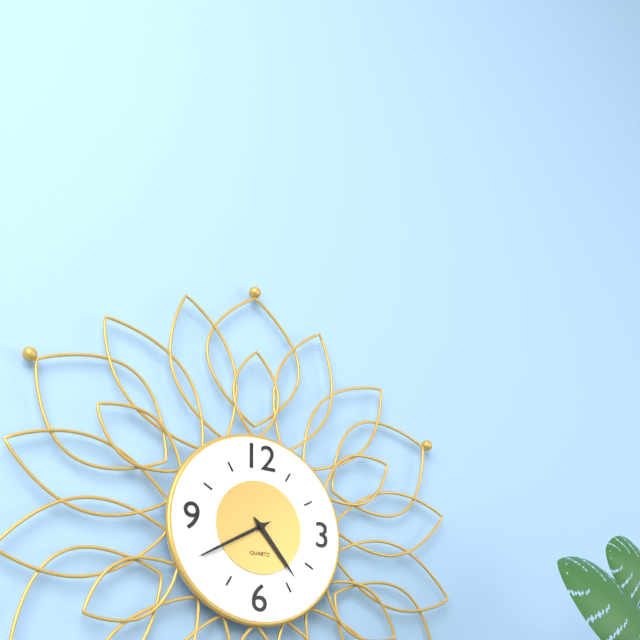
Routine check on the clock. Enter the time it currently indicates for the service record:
4:40
